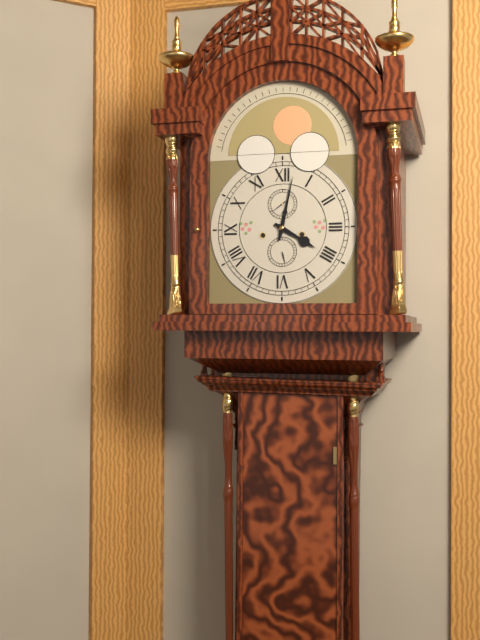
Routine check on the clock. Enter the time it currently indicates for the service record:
4:02
